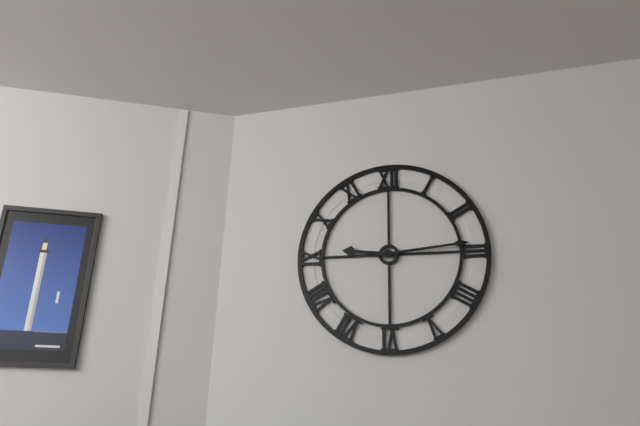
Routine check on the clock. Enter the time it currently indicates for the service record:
9:14
